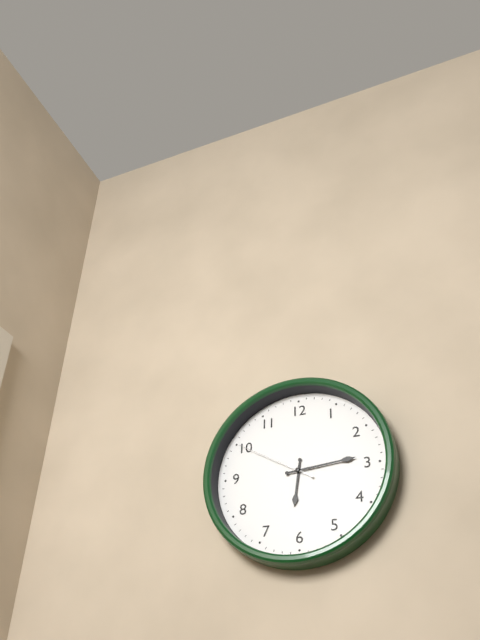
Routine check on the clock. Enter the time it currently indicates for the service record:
6:14:50
